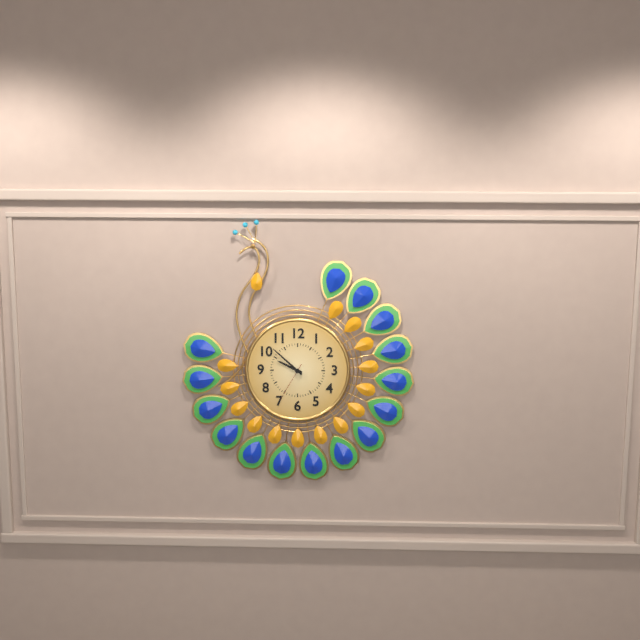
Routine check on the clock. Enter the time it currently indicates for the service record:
9:52
